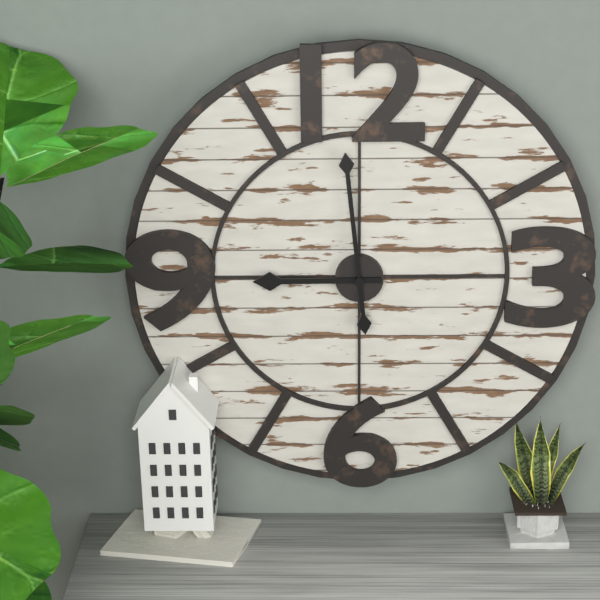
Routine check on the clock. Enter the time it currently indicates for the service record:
8:59
